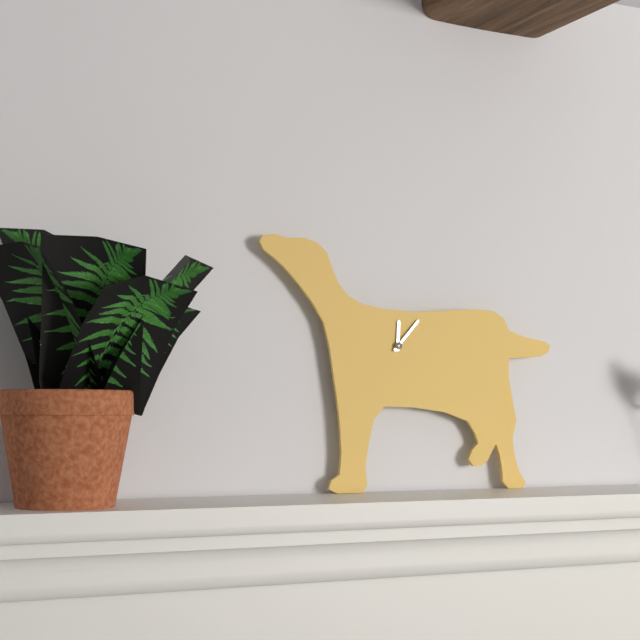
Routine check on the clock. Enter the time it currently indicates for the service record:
12:07
